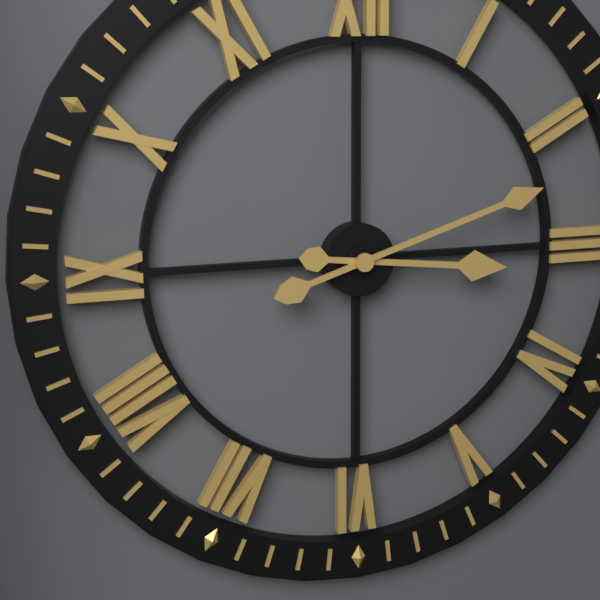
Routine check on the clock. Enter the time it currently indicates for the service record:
3:12
